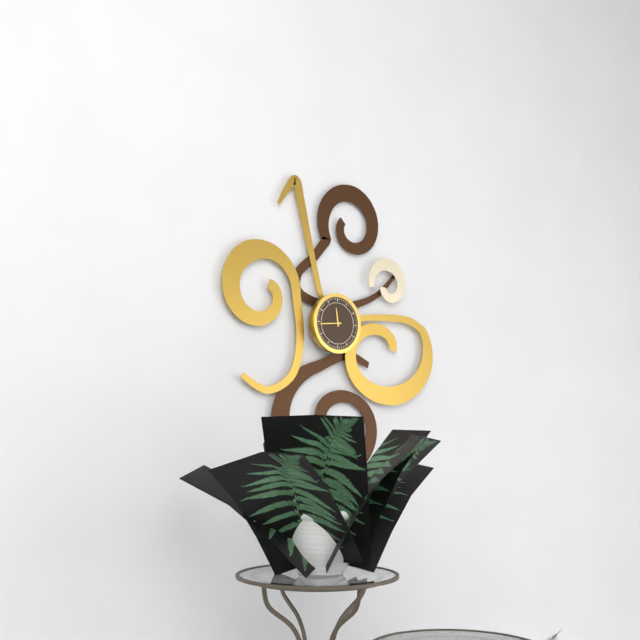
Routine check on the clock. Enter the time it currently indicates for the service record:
11:44
